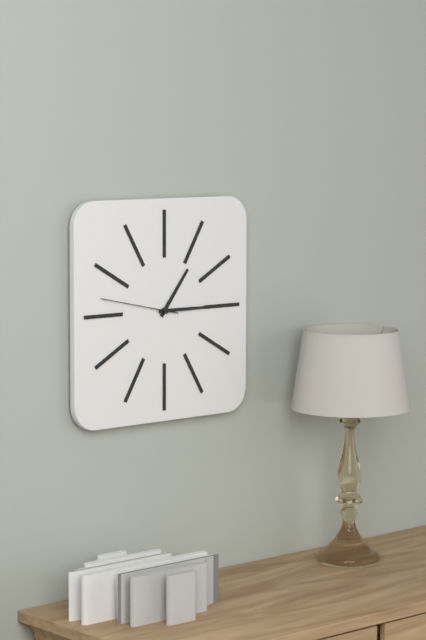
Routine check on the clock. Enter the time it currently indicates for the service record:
1:15:47
